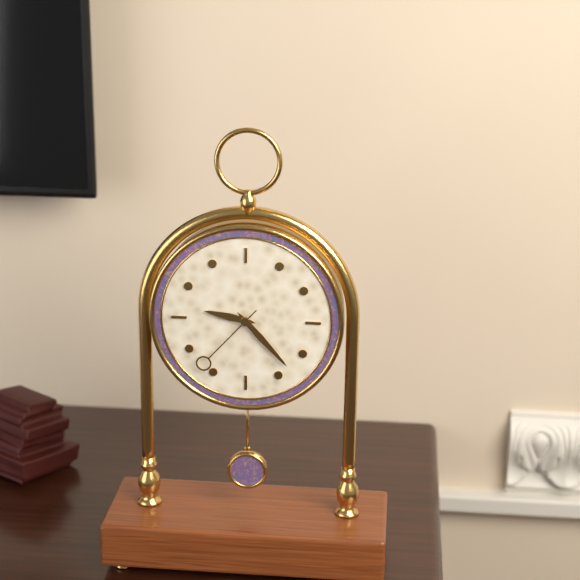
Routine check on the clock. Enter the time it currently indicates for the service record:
9:23:37
